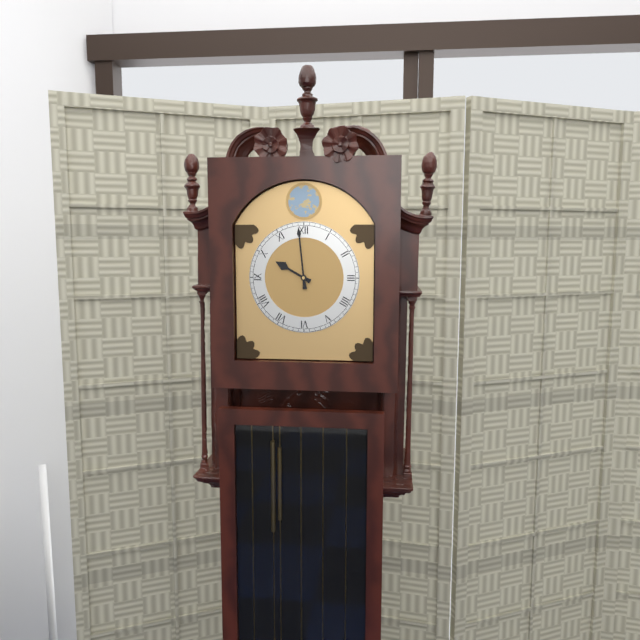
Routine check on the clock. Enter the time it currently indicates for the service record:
9:59
